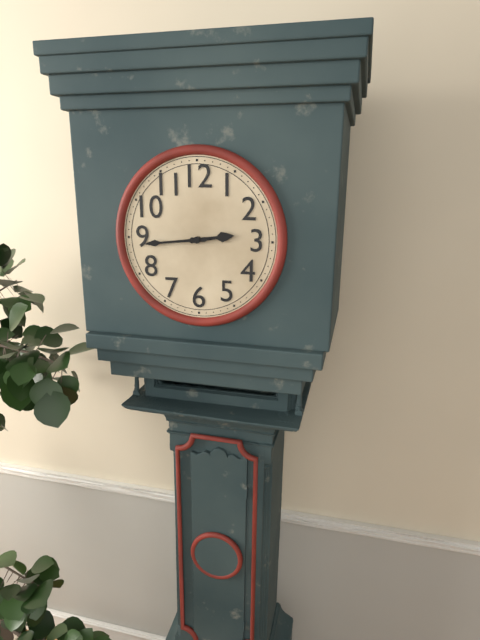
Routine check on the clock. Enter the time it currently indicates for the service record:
2:44
